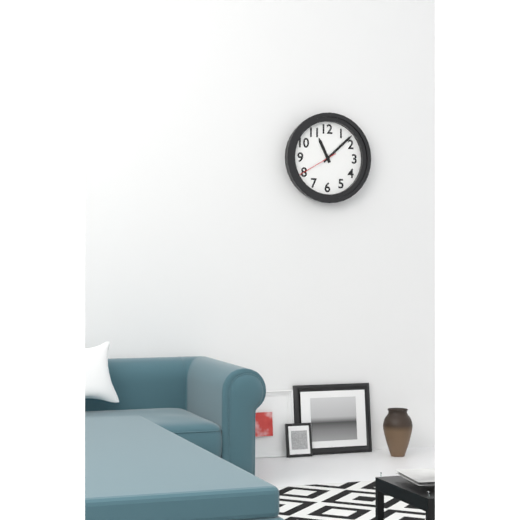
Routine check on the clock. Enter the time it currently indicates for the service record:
11:08
